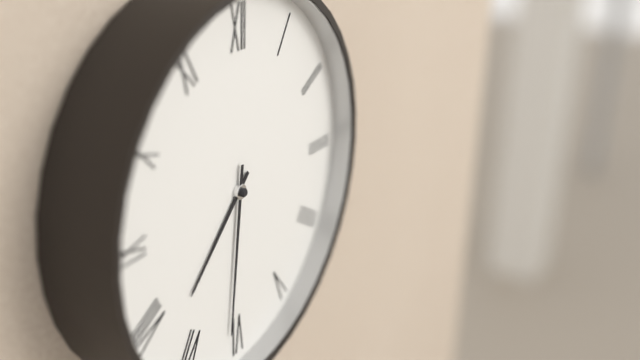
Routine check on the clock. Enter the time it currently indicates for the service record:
7:31
